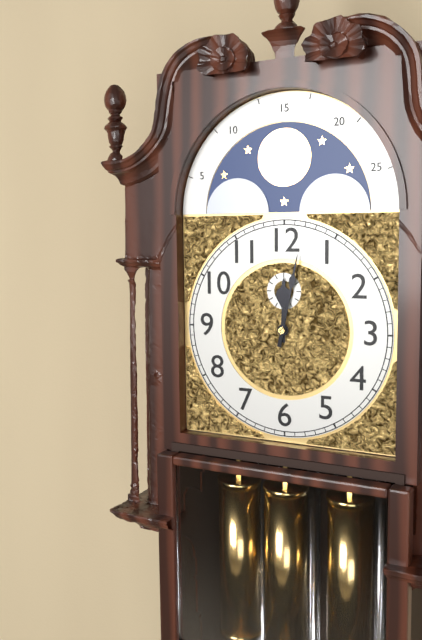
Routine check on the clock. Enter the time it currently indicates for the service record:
12:02
